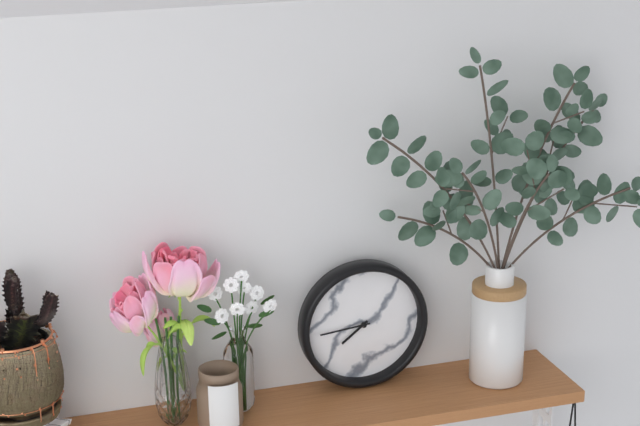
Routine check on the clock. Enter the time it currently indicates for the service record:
7:44
